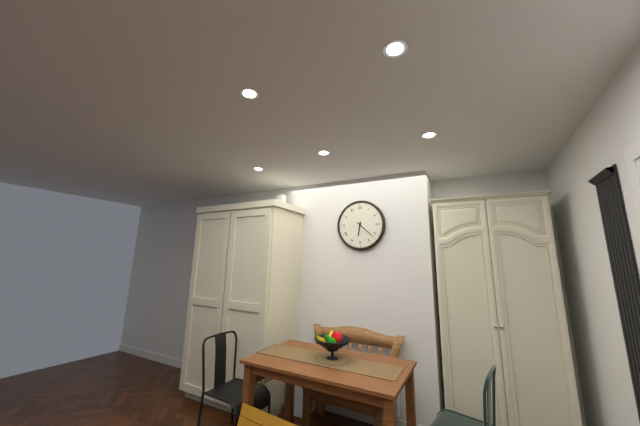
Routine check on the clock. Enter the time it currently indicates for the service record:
6:22
